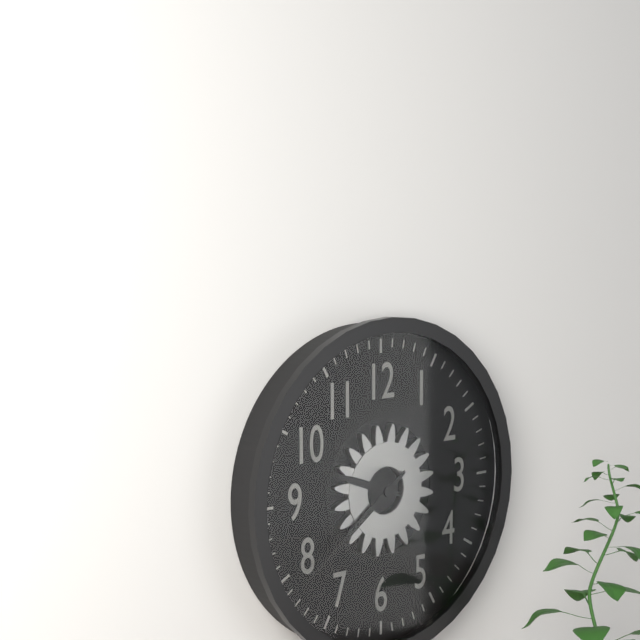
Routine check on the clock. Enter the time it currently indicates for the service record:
9:39
